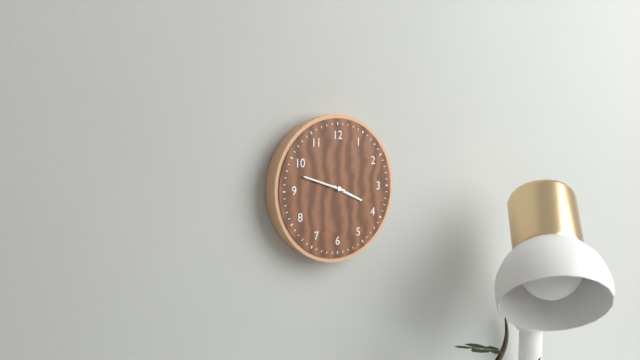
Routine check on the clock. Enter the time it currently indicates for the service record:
3:48
